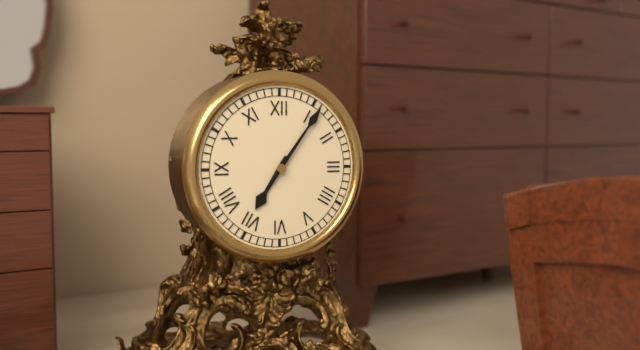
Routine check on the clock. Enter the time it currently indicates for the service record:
7:06
